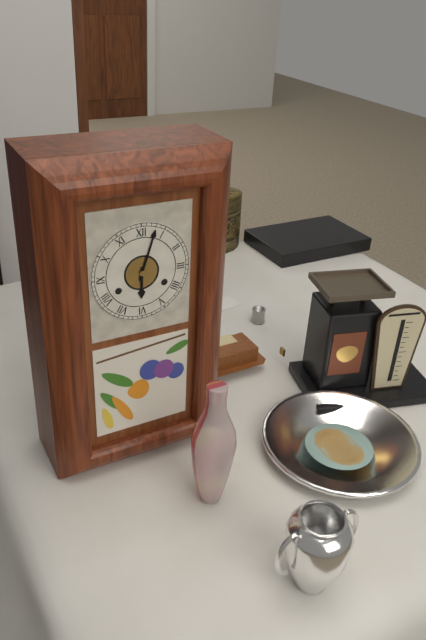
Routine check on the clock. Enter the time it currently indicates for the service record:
6:03
